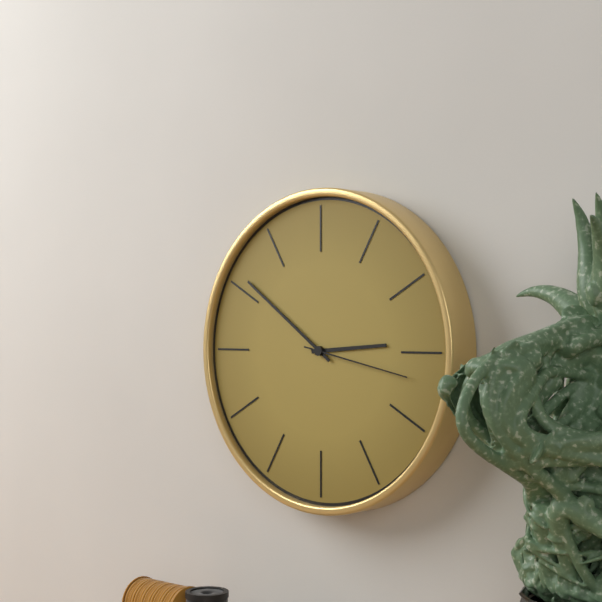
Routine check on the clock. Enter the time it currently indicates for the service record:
2:51:17
